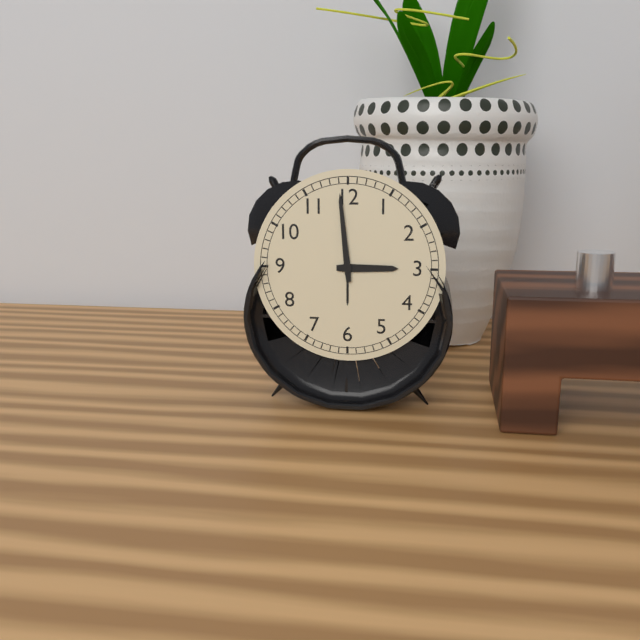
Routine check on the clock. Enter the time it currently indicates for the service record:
2:59
